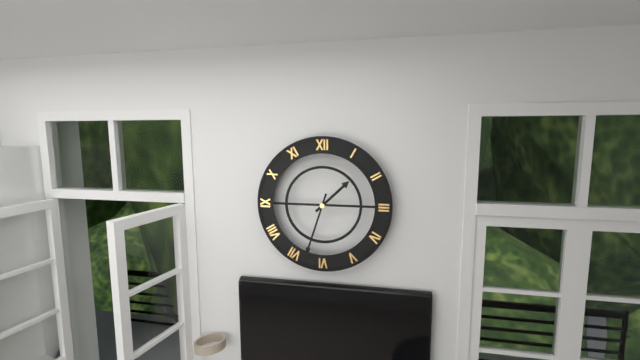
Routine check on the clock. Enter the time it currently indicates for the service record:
1:33
